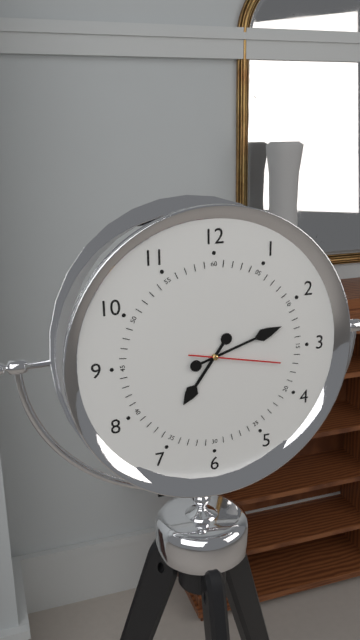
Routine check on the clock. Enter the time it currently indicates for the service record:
7:12:17
